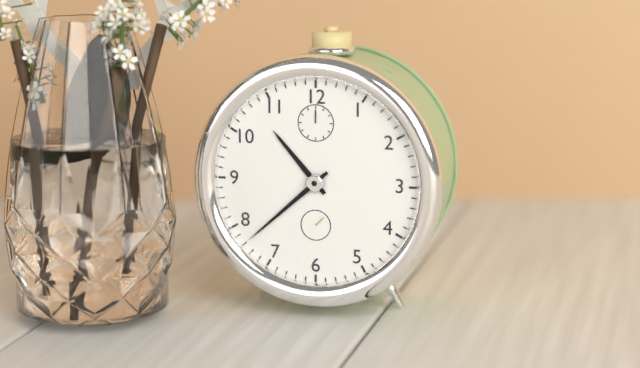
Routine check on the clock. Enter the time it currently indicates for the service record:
10:38
